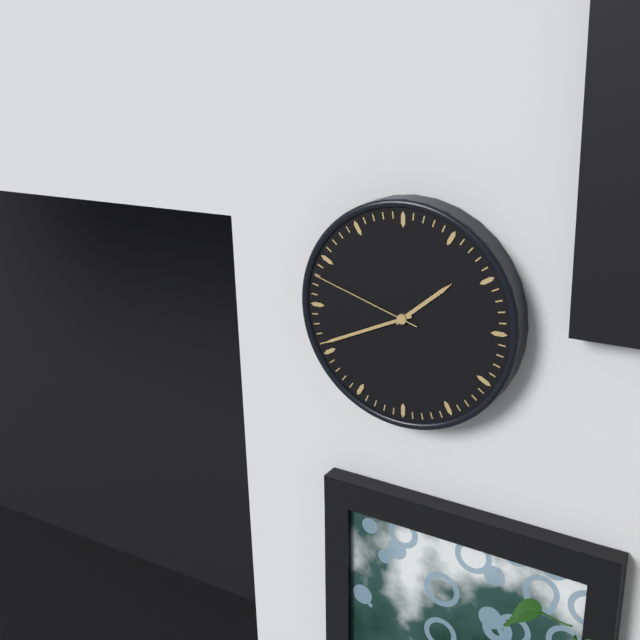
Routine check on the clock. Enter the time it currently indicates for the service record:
1:41:48
